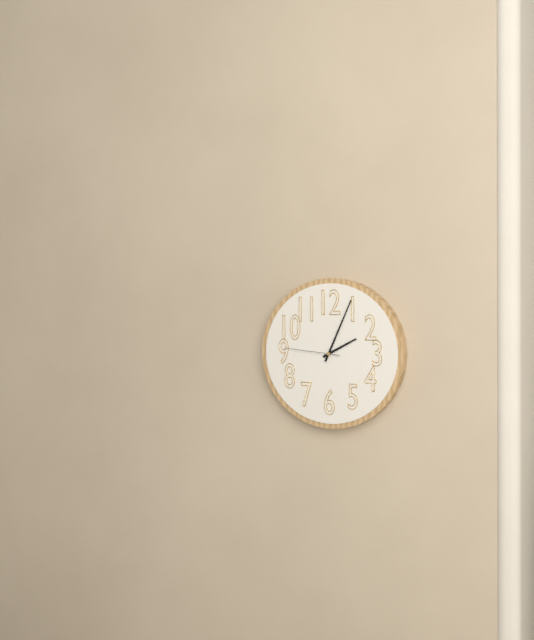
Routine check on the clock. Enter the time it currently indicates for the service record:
2:04:46
